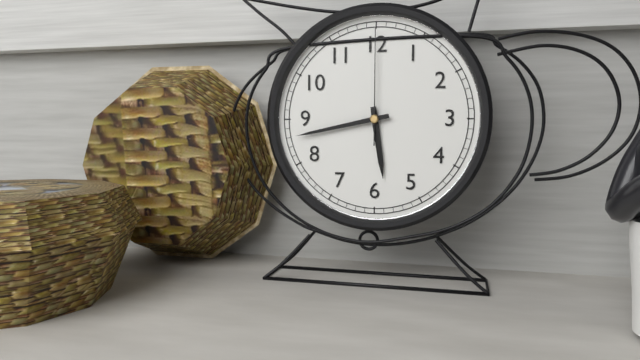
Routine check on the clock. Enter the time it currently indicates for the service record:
5:43:00
